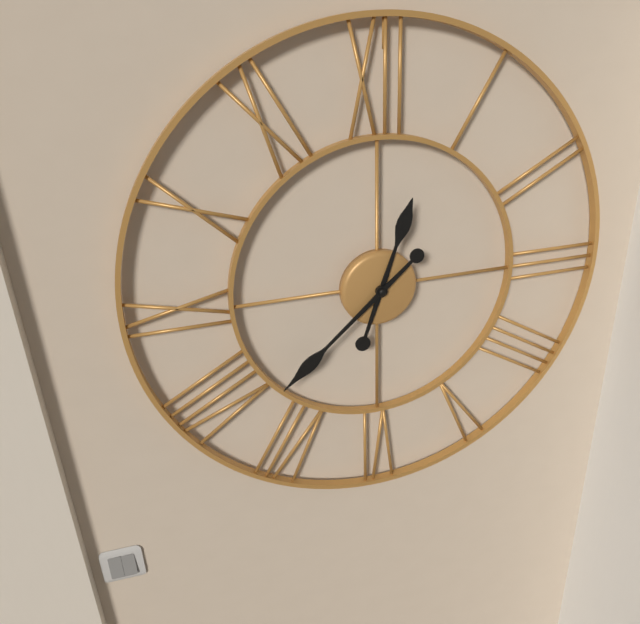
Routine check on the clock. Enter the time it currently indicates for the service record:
12:38
